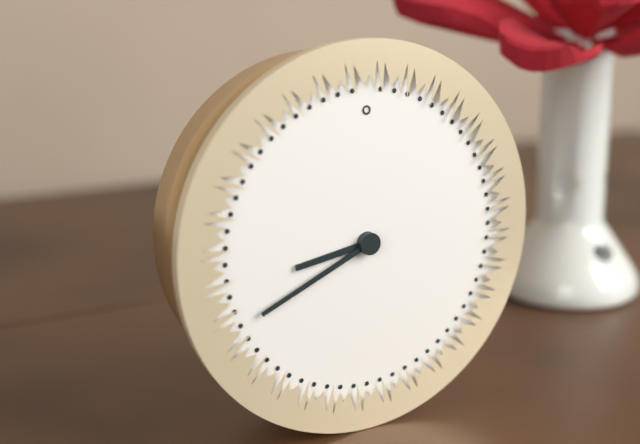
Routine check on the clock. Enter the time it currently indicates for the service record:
8:41
